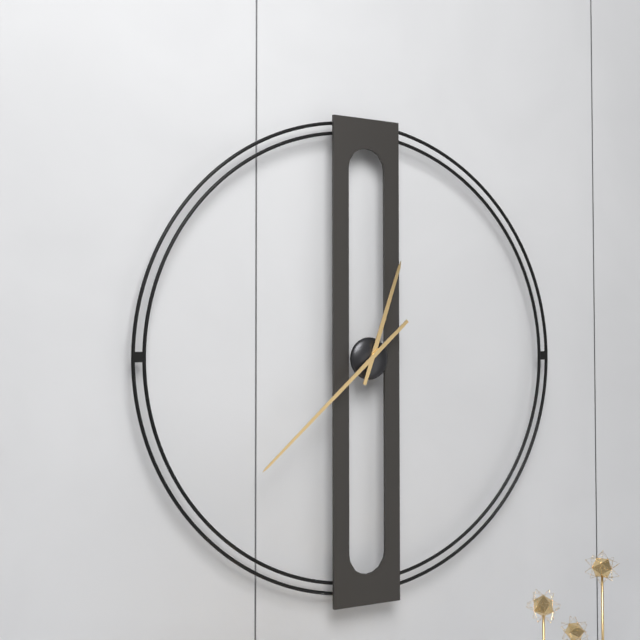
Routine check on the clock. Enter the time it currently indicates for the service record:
12:38
